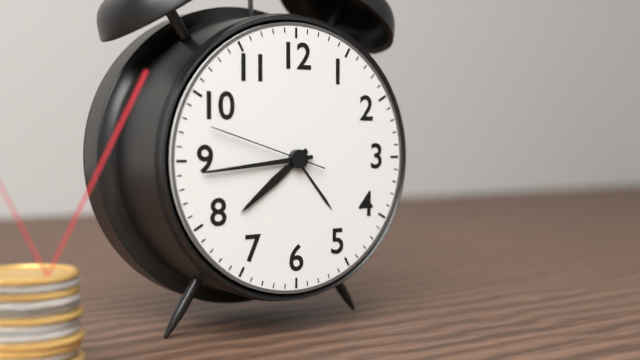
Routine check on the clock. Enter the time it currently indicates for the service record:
7:44:48
